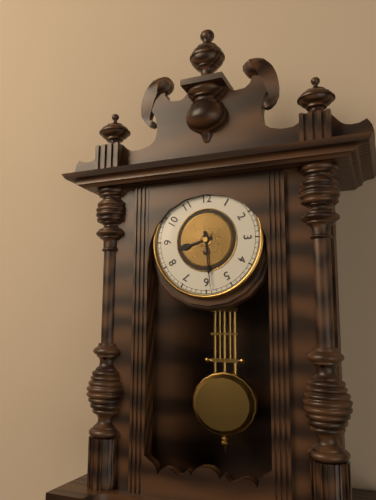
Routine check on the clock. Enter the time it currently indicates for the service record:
8:29
